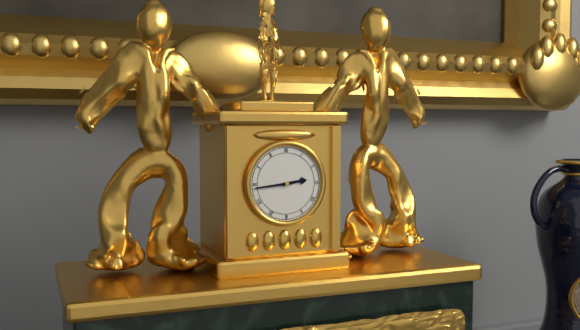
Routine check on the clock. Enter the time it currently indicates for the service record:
2:44
